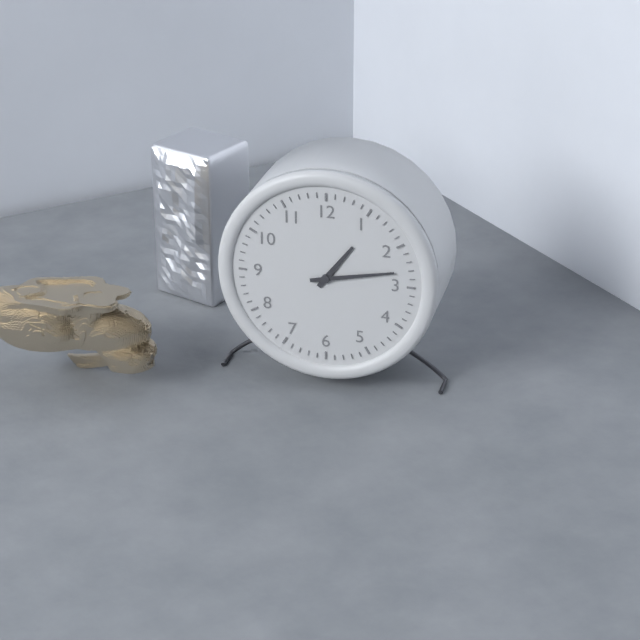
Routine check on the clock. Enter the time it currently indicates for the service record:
1:13
